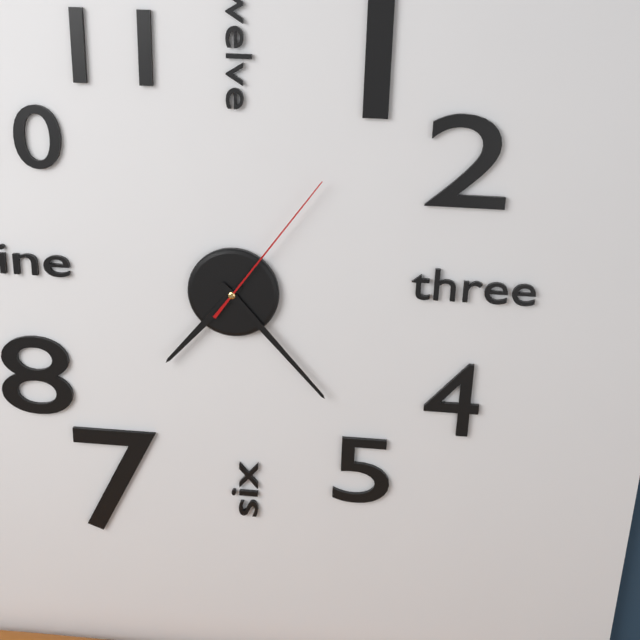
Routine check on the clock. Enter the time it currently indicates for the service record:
7:23:06
